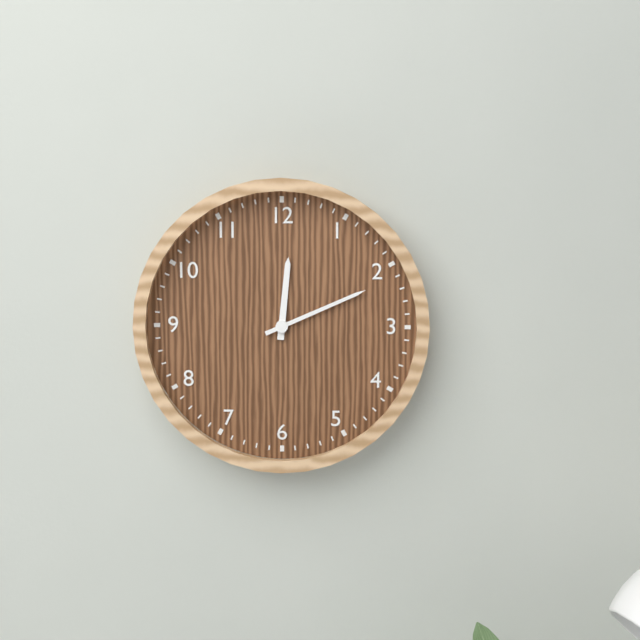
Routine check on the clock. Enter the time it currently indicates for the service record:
12:11
